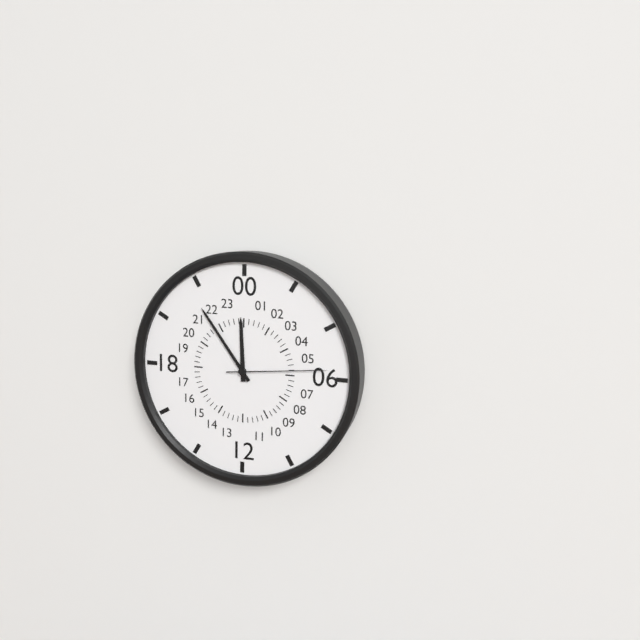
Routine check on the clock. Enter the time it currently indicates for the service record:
11:54:14
